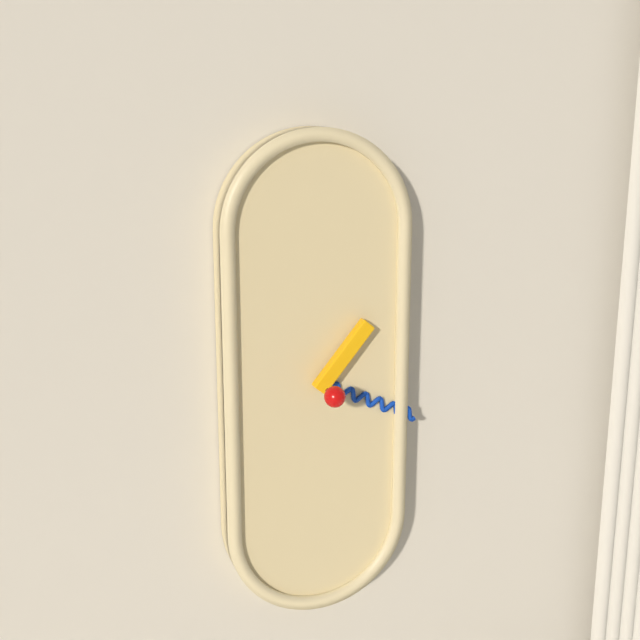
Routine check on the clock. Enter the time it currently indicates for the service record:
1:19
